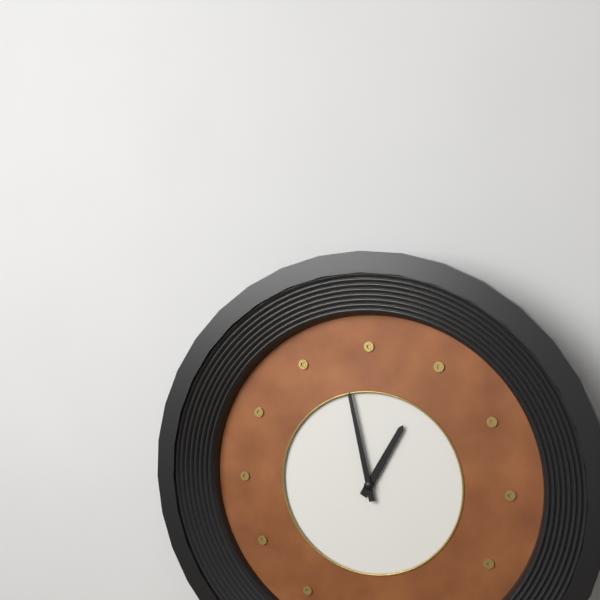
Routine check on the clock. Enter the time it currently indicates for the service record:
12:58
